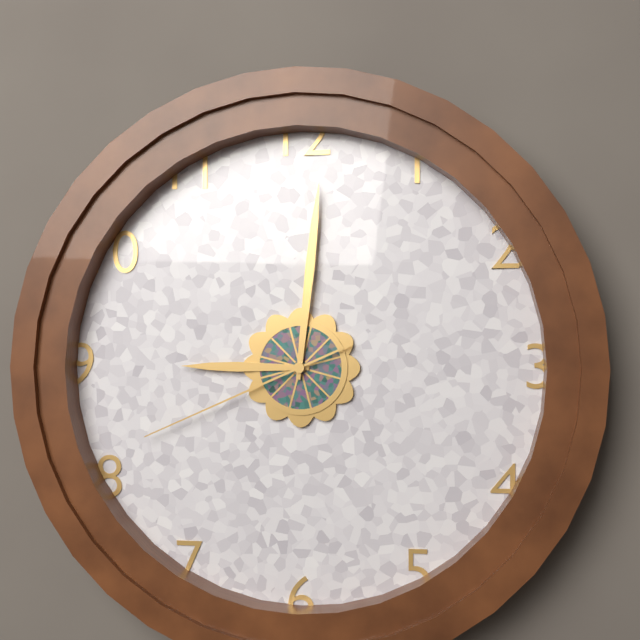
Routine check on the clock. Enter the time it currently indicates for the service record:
9:01:41
